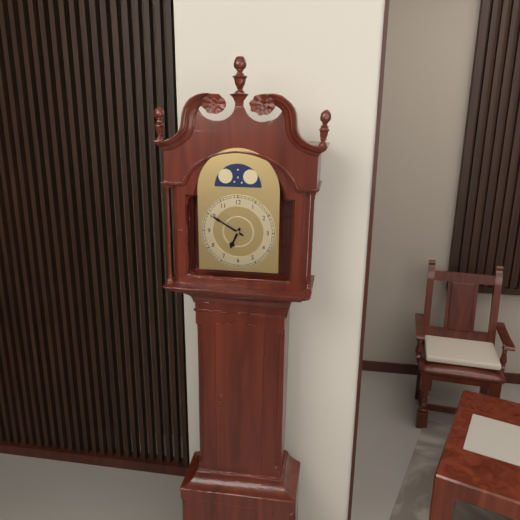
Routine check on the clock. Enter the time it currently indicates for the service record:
6:50
